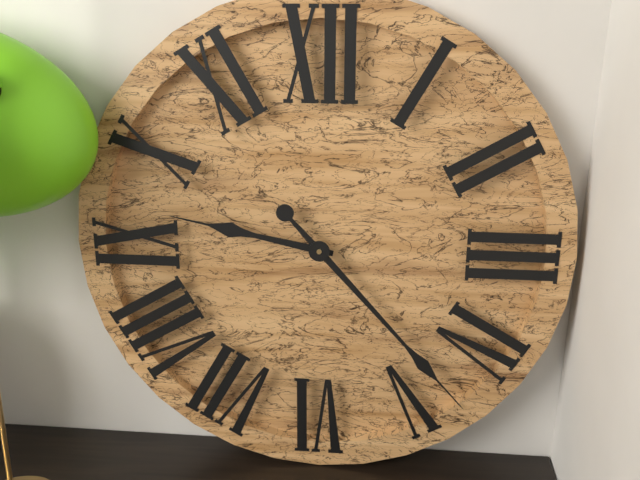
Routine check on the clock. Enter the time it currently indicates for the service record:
9:23
